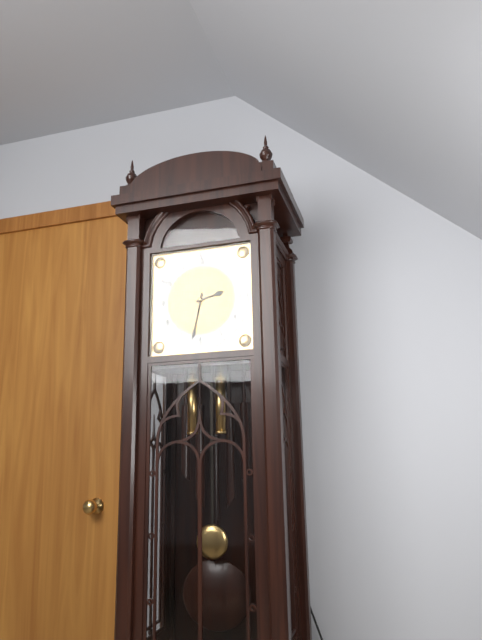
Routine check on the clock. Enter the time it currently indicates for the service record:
2:32
